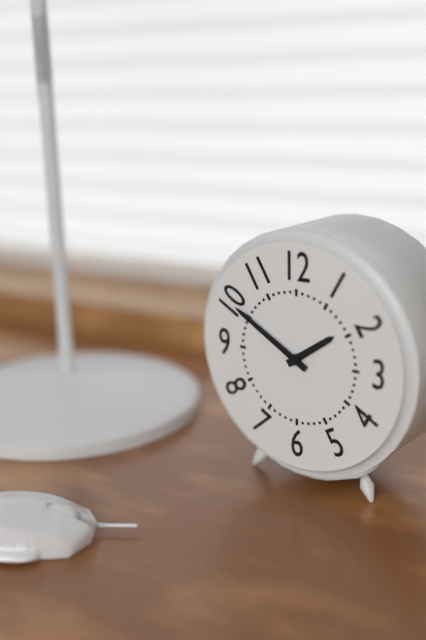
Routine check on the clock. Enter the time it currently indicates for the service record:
1:50
